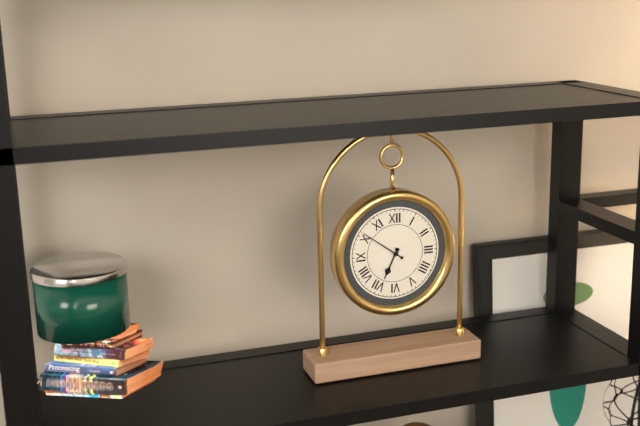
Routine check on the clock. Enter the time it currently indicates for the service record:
6:51
